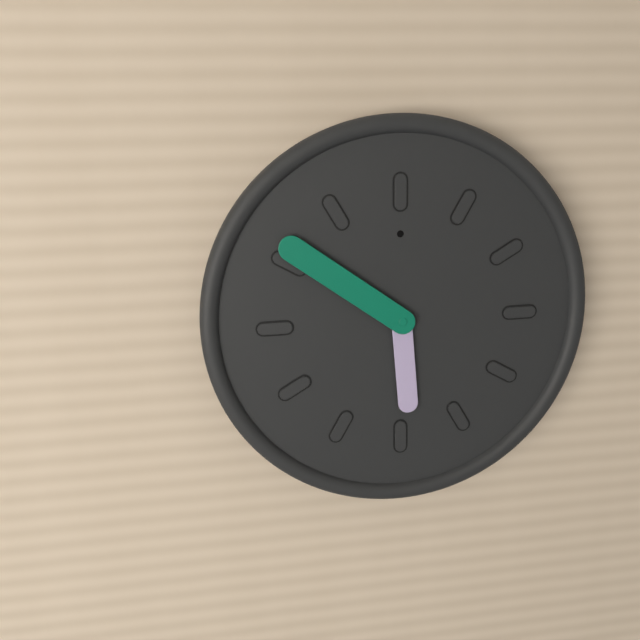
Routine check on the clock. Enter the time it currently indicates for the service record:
5:51
